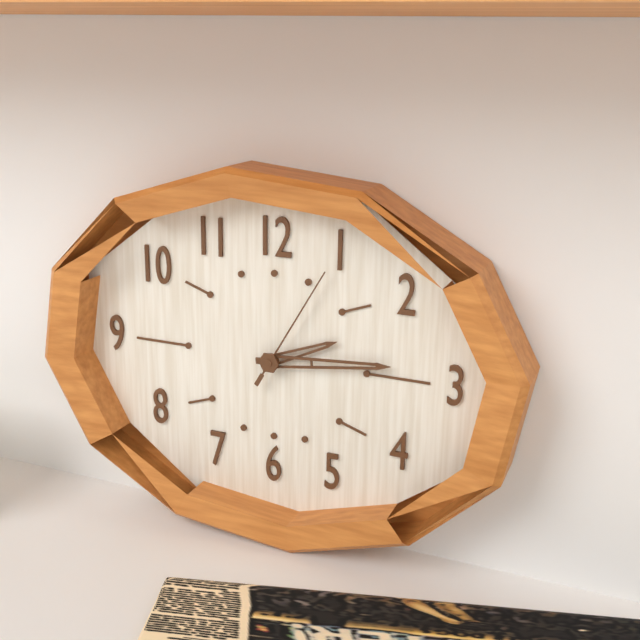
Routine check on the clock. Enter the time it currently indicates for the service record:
2:14:05
